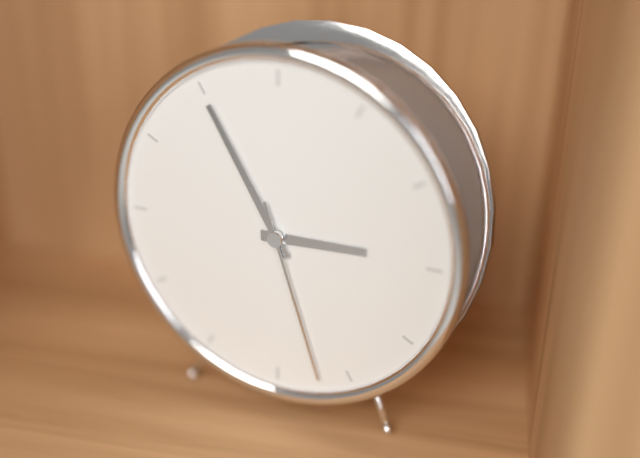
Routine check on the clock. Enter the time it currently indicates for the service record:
2:55:27
